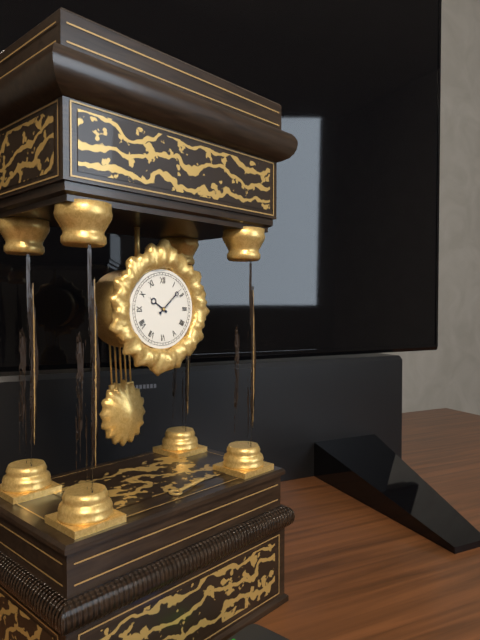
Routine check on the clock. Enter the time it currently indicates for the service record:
10:08
